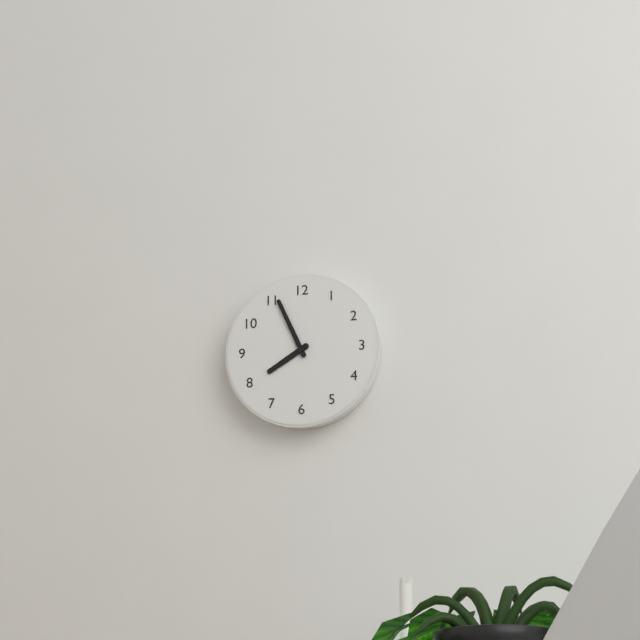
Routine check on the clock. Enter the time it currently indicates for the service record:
7:56
